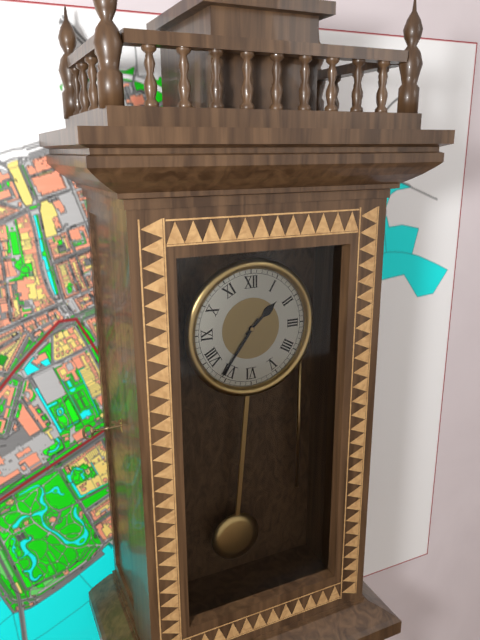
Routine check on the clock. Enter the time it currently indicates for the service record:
1:36
